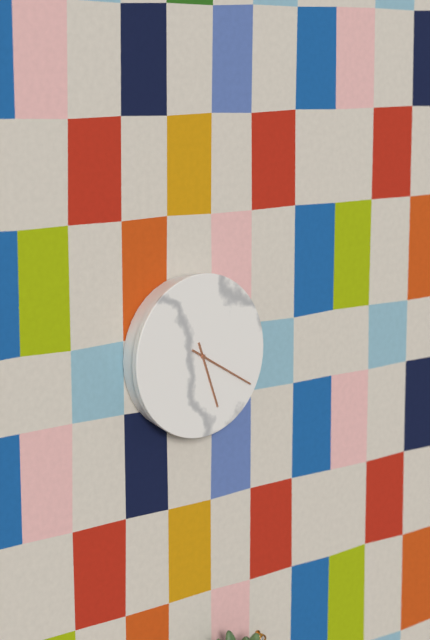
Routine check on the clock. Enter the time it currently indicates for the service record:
5:20
